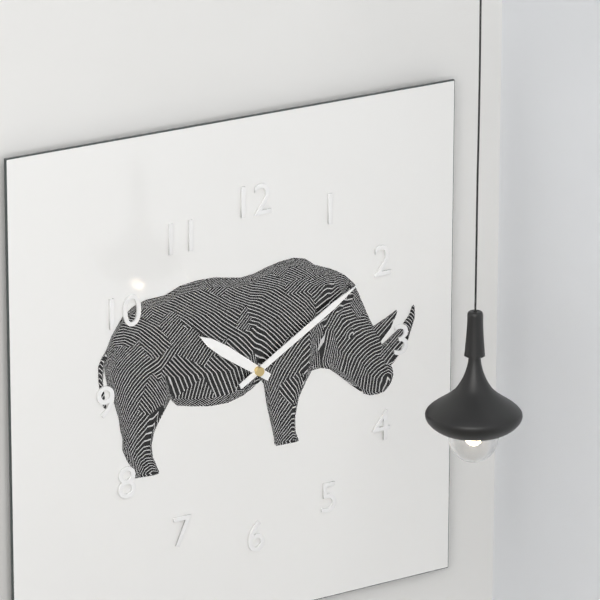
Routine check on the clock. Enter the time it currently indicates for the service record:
10:10
